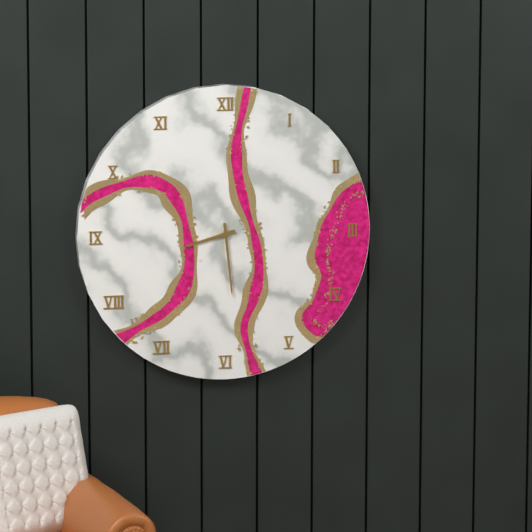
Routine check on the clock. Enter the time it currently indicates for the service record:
8:29
